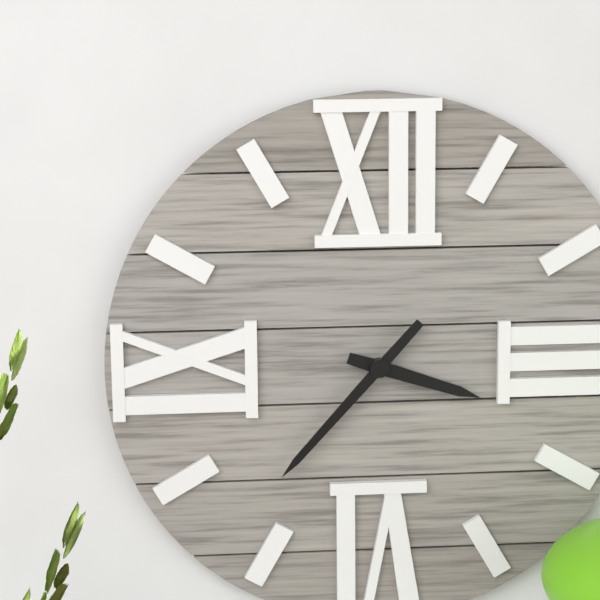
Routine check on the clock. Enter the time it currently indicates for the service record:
3:37
